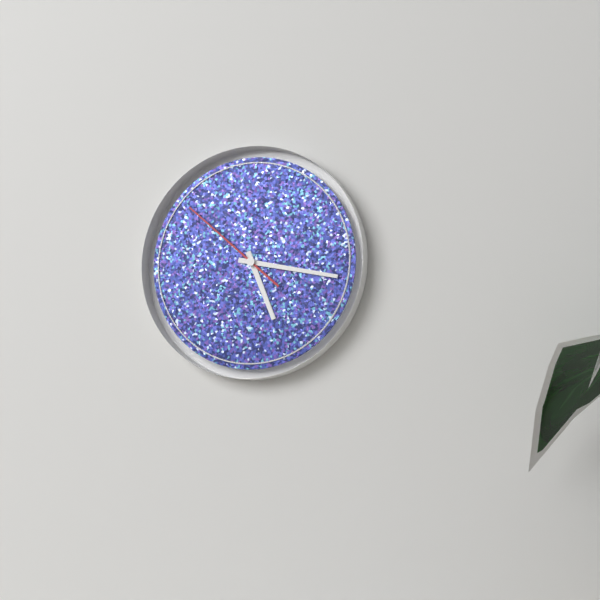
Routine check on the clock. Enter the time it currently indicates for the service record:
5:17:52
